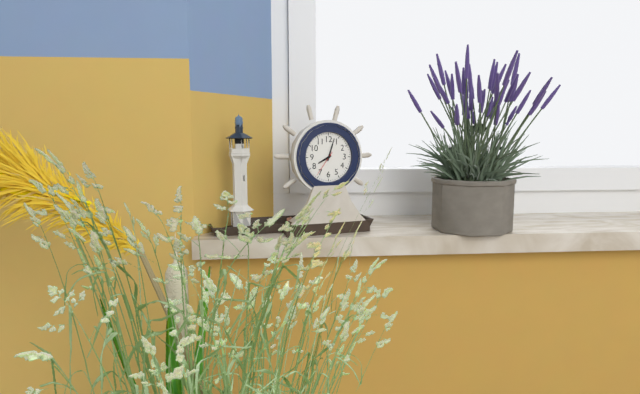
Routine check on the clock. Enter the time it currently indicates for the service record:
8:03
